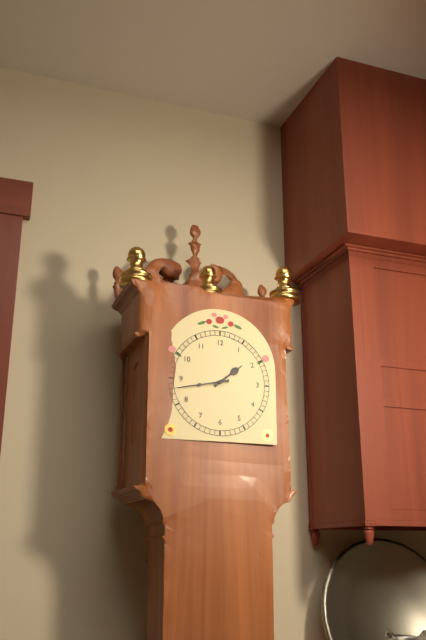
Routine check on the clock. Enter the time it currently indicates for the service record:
1:43
